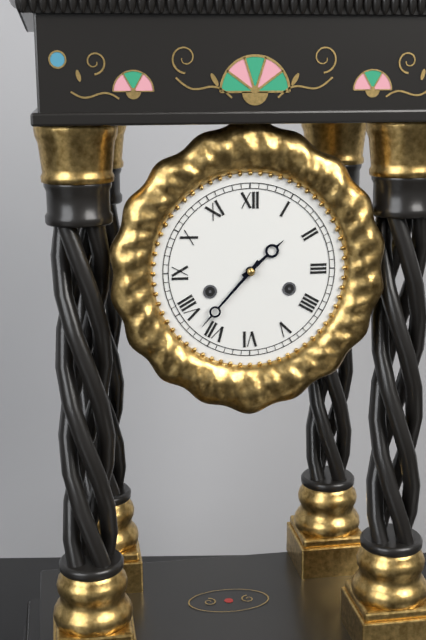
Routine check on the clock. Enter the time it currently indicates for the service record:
1:37
